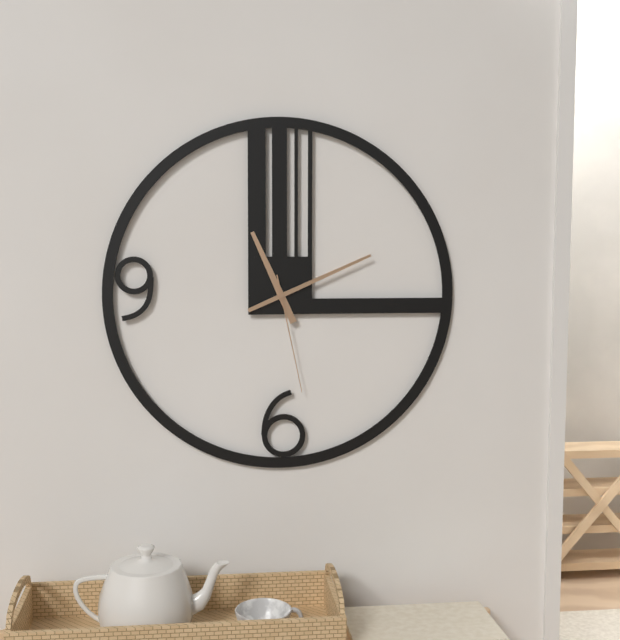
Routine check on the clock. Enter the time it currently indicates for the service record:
11:11:28
